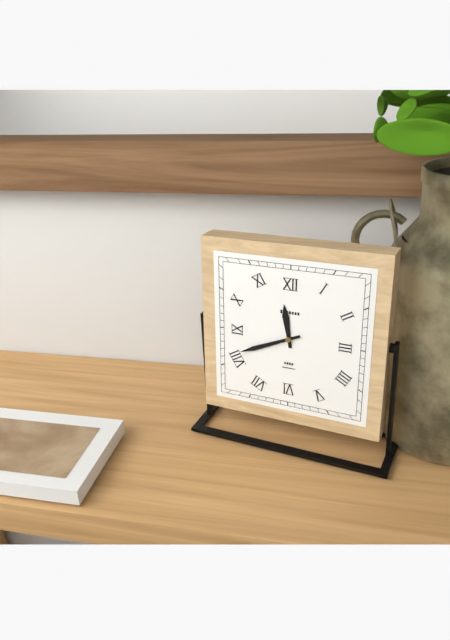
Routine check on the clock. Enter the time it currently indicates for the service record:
11:41
